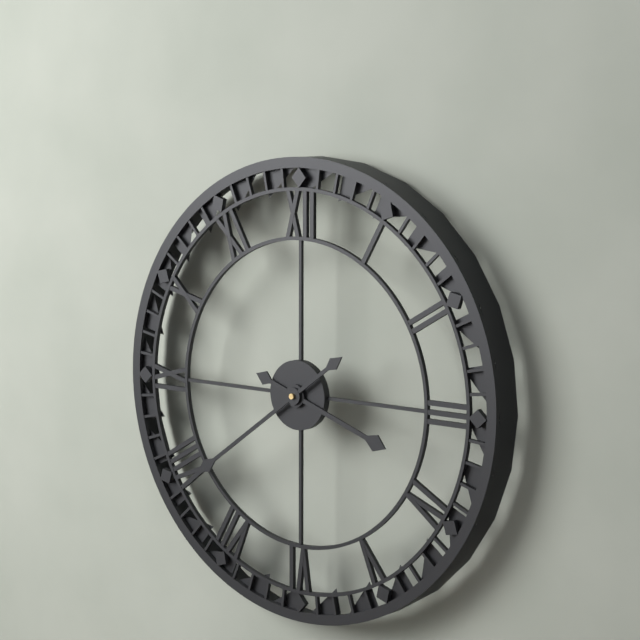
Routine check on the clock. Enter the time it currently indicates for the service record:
3:39
